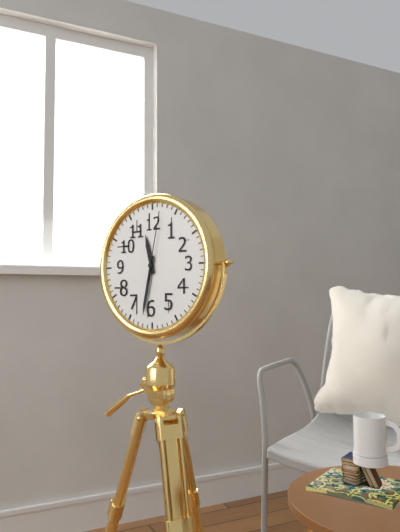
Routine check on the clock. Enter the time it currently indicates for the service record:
11:32:02
